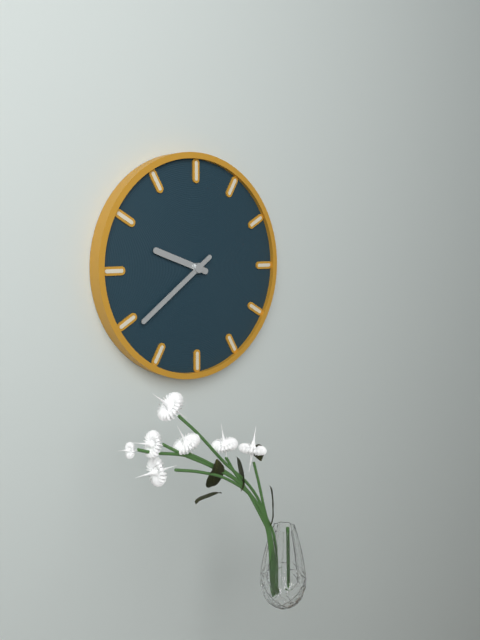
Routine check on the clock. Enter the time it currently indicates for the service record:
9:39
